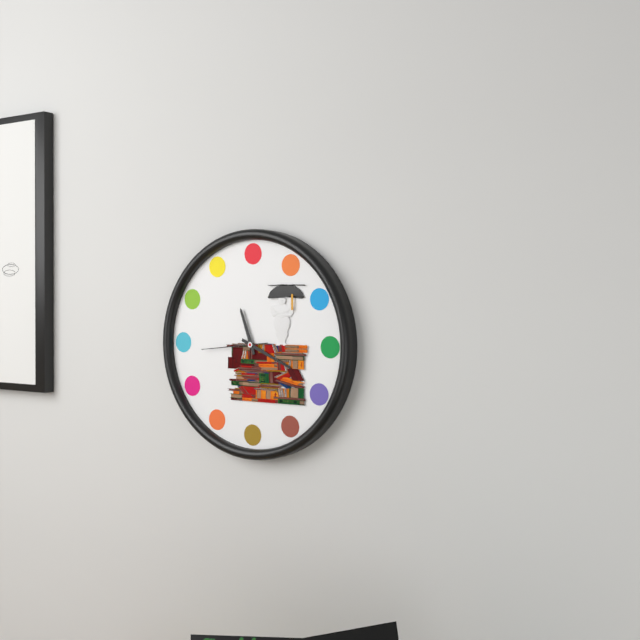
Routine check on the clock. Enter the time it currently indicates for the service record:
11:19:44
